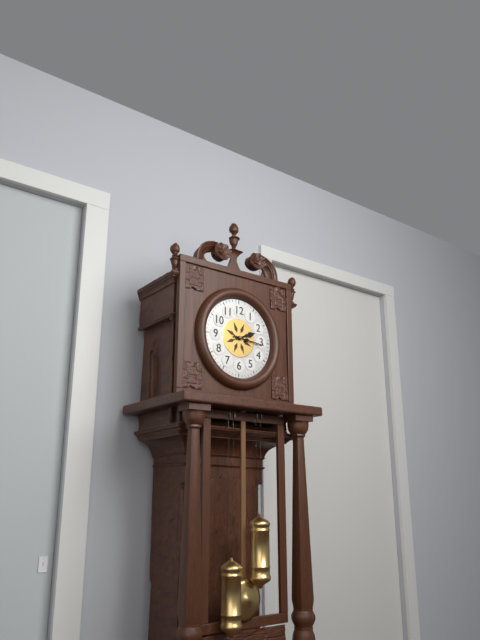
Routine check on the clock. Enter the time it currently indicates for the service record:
2:16
